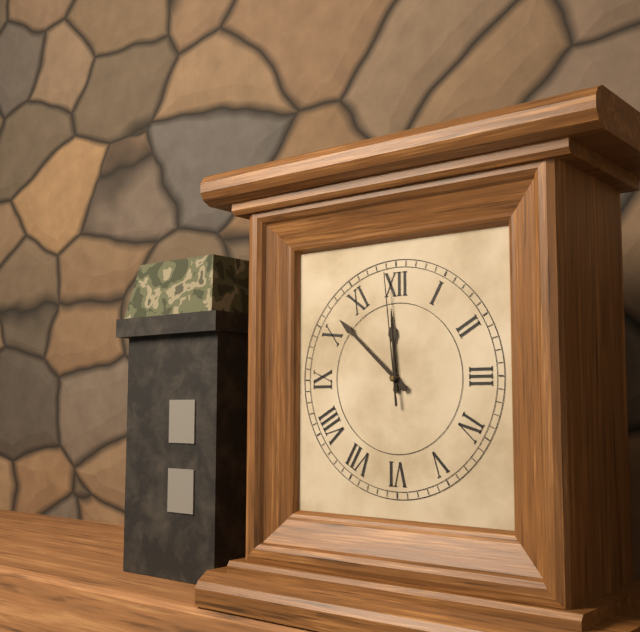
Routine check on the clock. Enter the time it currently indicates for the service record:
11:52:59
